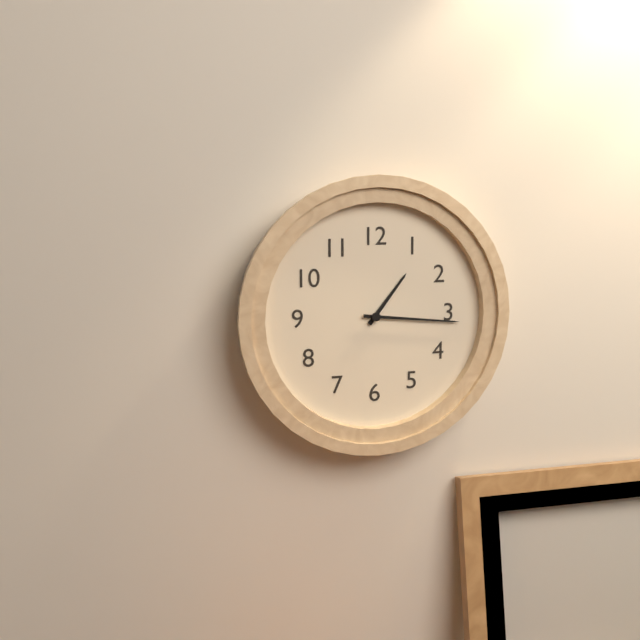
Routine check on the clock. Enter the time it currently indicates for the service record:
1:16
